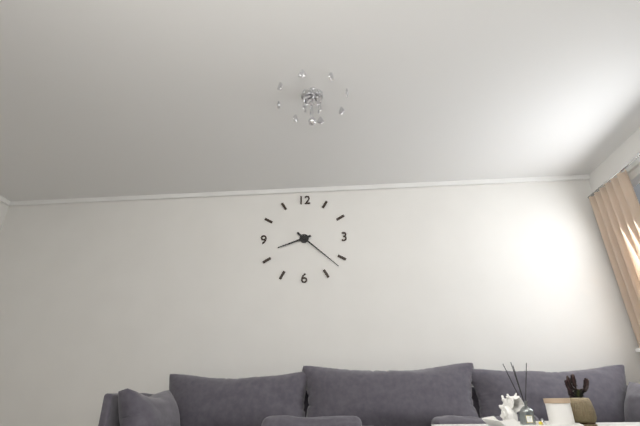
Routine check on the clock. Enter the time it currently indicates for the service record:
8:22
